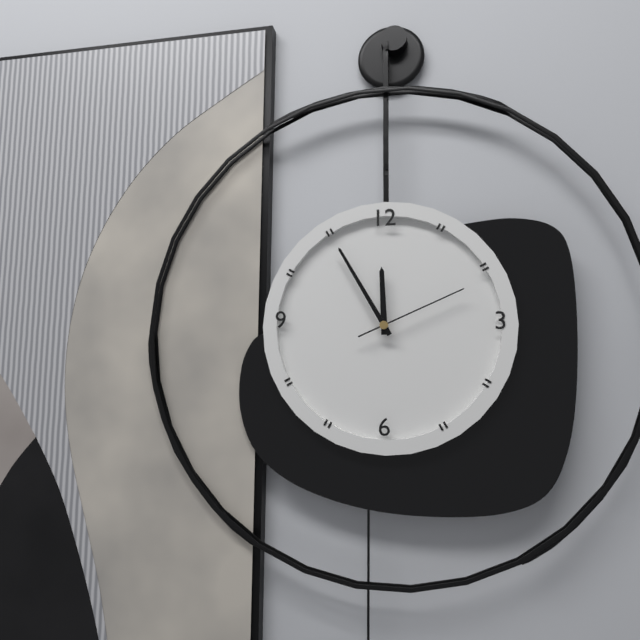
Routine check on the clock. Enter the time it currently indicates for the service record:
11:55:11
